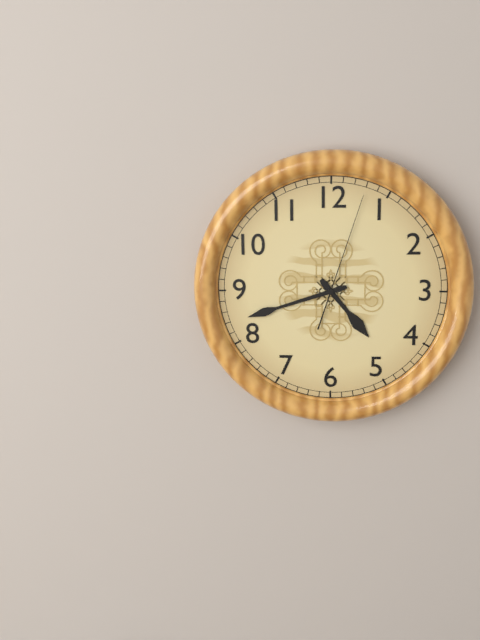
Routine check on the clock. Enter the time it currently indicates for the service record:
4:42:03
